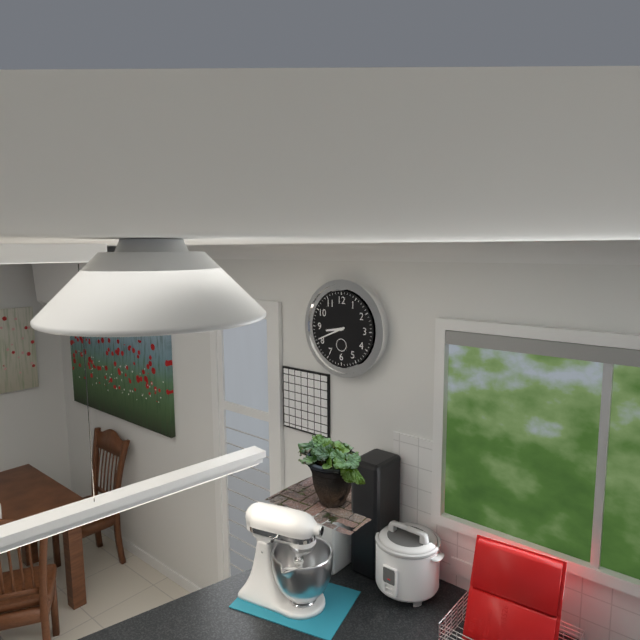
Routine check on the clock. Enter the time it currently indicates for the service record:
8:41
